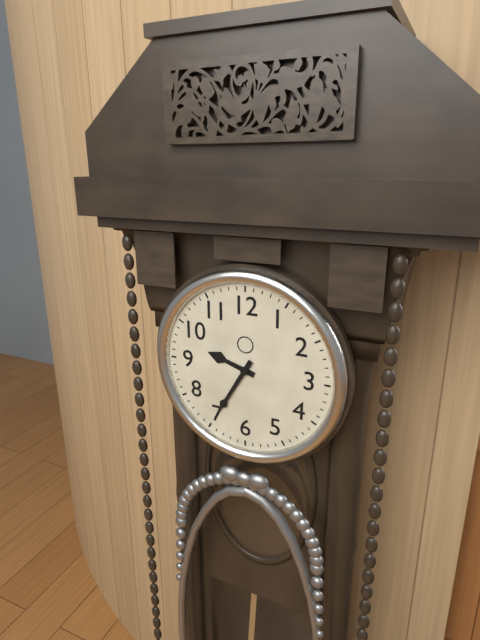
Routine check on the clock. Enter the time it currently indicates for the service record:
9:35
